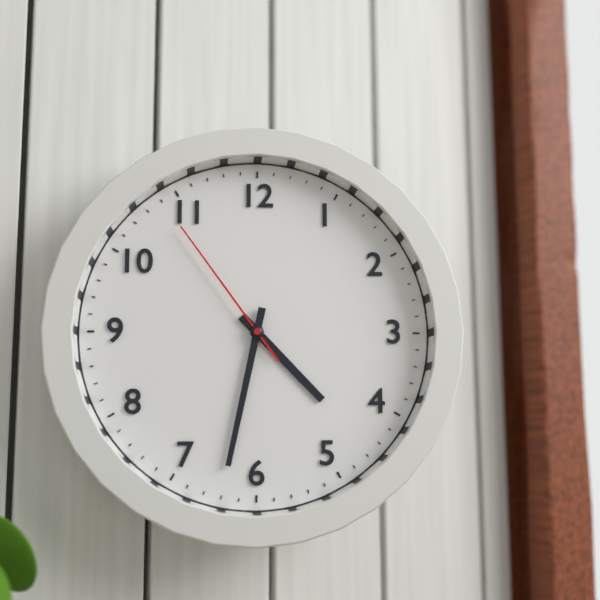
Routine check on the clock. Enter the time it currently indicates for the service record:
4:32:54
